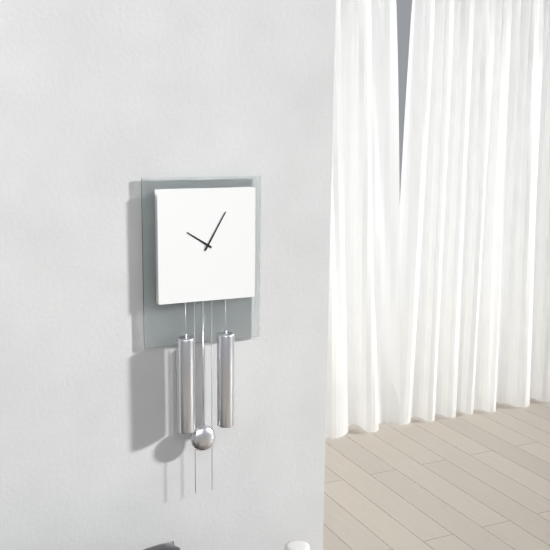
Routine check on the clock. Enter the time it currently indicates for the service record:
10:05
